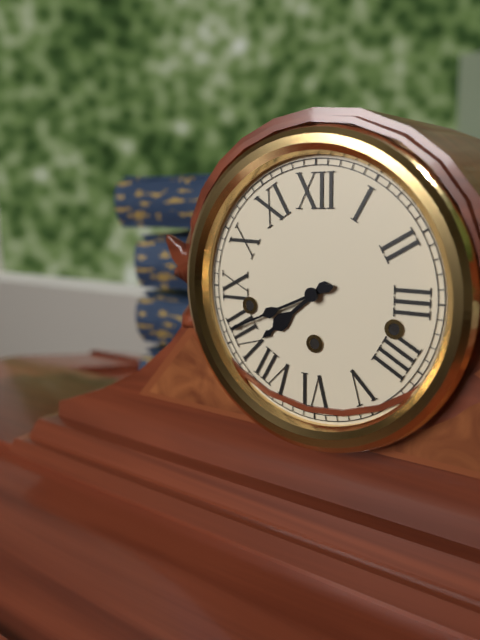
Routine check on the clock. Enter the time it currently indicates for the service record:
7:41
